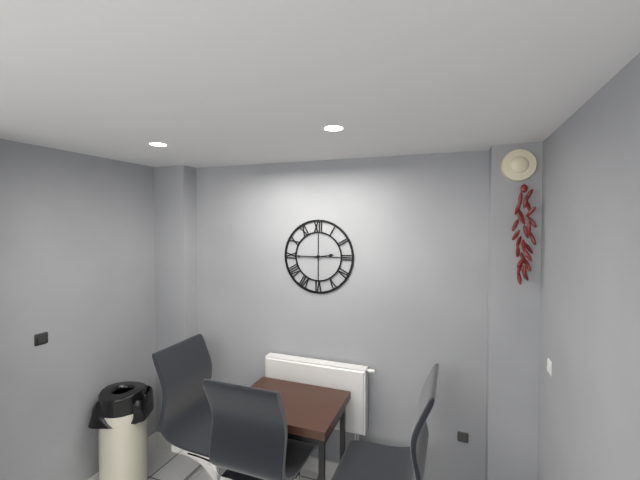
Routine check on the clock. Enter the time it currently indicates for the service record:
2:45
